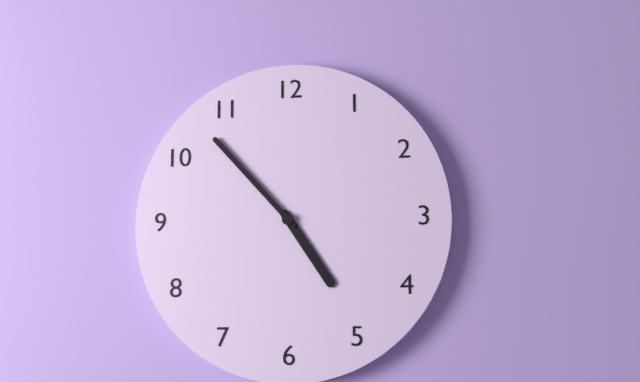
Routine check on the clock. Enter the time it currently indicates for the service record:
4:53
